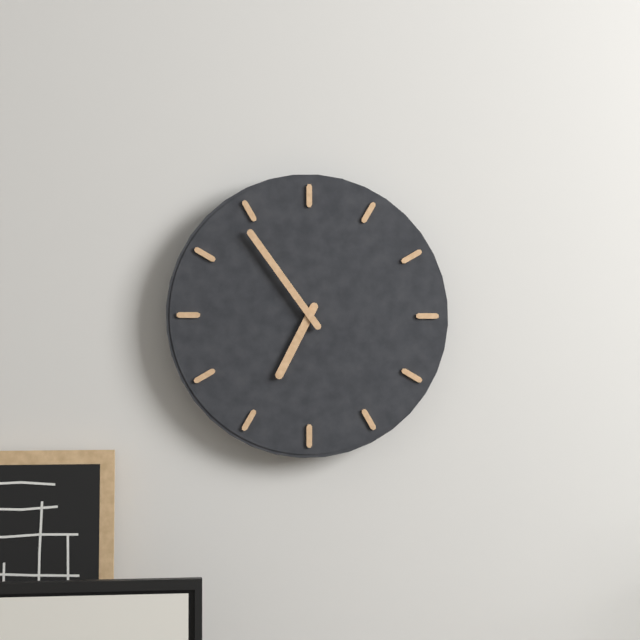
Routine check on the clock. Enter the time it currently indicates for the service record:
6:54
